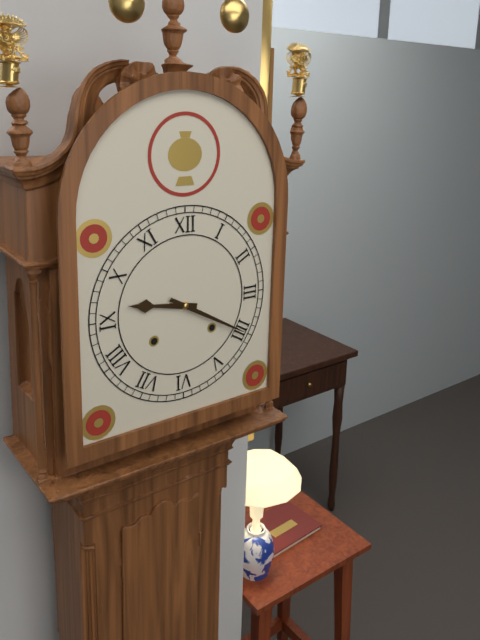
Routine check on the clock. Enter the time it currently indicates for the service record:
9:20
